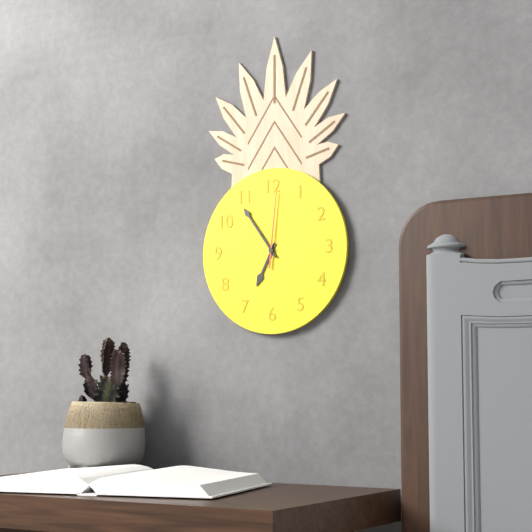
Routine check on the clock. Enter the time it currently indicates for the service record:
6:54:01
